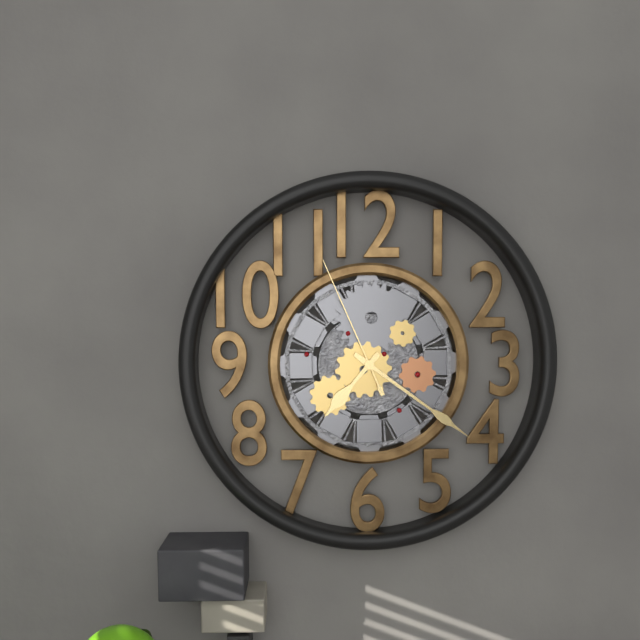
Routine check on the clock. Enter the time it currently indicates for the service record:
7:21:56
